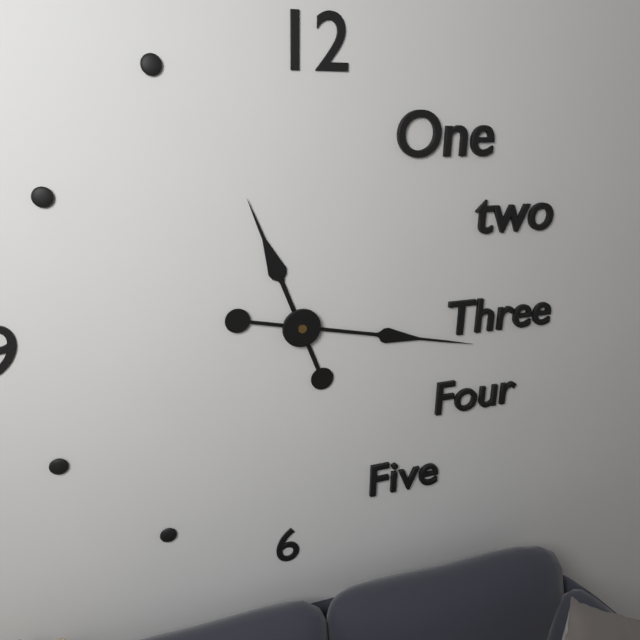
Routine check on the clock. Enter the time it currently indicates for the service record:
11:17
